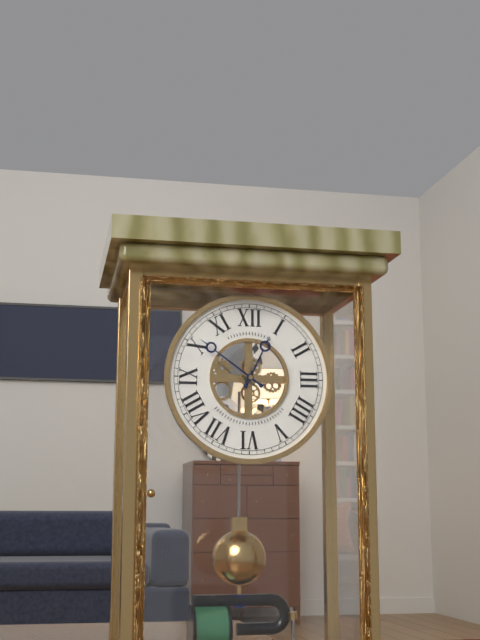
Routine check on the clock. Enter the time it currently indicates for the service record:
12:51
